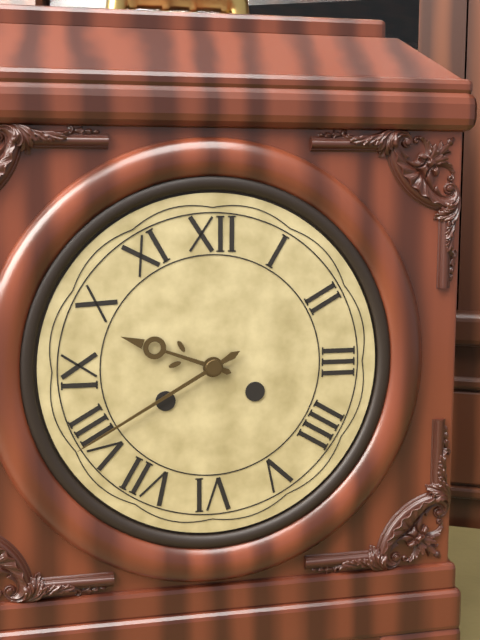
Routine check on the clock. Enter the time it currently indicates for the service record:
9:40
